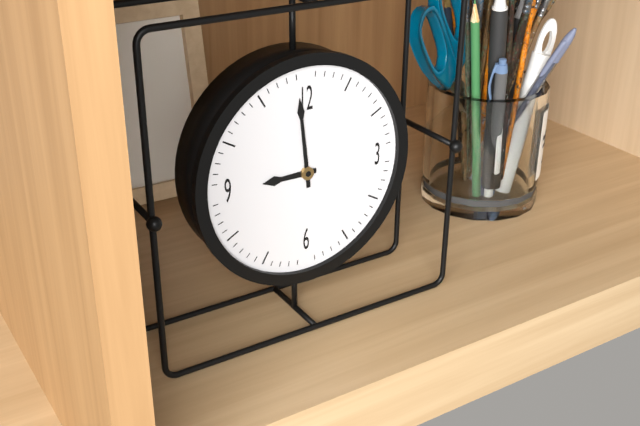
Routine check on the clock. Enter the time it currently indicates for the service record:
8:59
